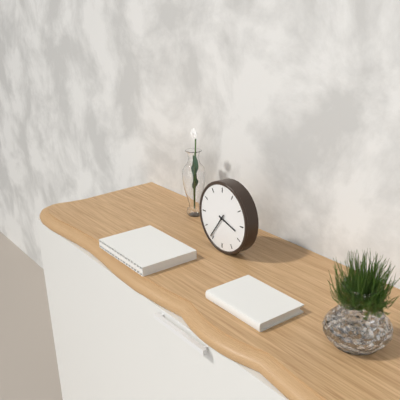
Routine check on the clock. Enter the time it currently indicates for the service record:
3:36
